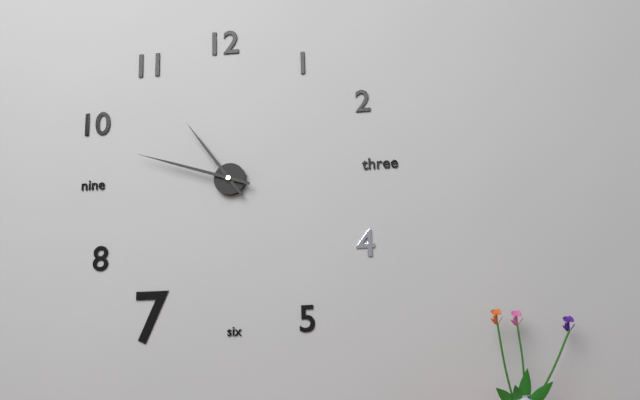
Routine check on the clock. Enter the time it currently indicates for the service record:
10:48
